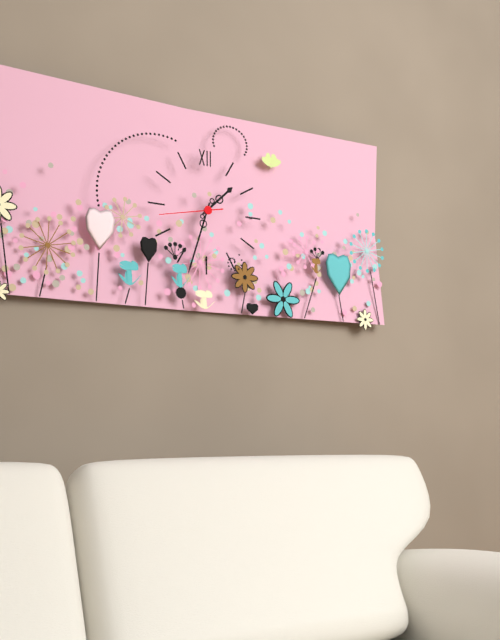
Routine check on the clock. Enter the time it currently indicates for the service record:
1:33:43
